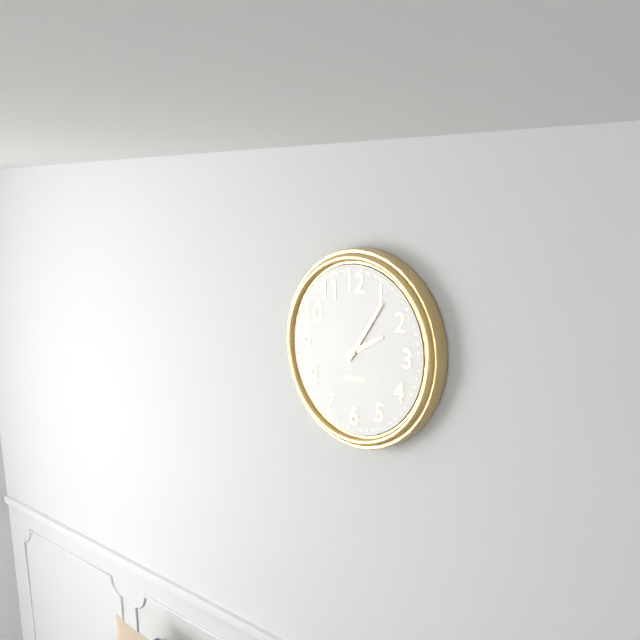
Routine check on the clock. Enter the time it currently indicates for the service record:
2:06
